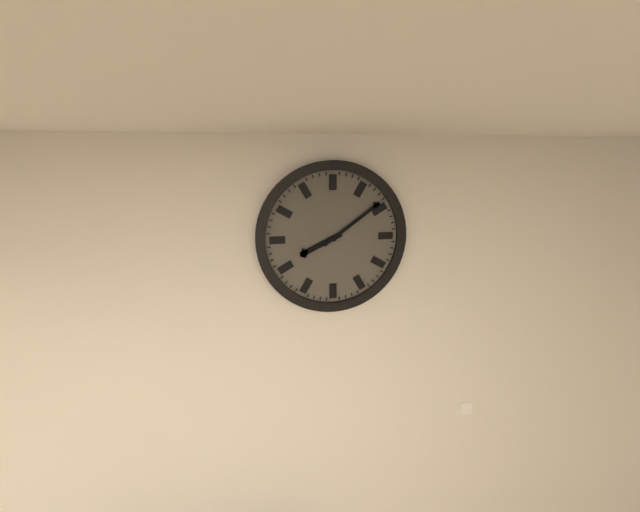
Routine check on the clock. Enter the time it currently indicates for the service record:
8:09
